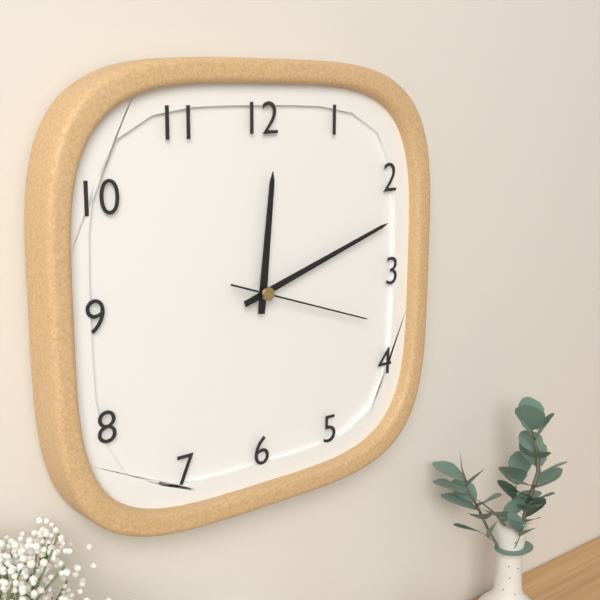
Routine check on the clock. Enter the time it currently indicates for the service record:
12:12:18
